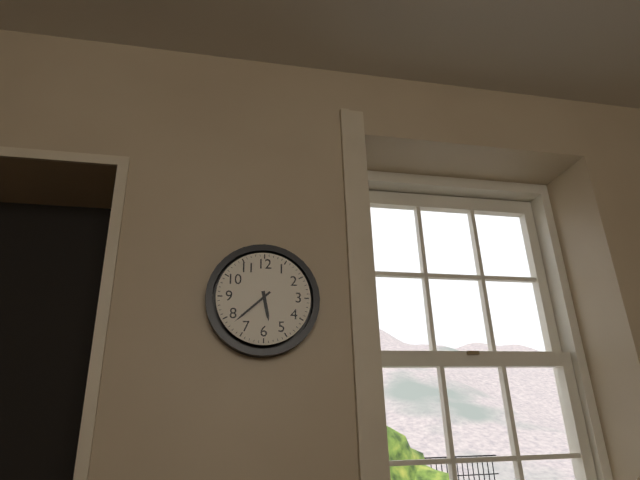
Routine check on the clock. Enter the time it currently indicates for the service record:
5:38
